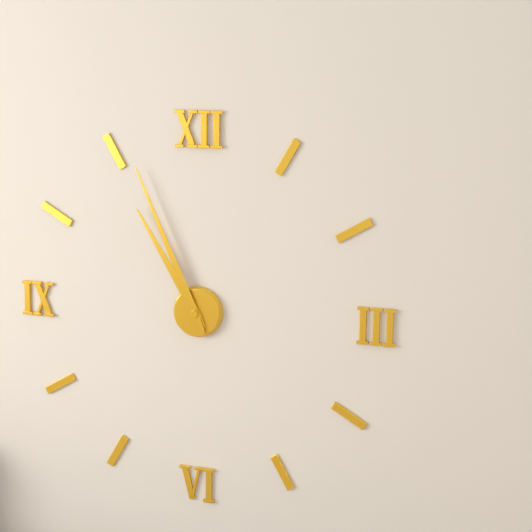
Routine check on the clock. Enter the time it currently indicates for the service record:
10:56
